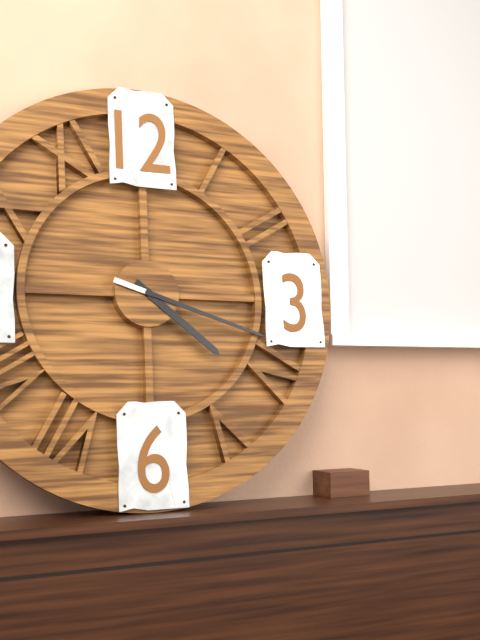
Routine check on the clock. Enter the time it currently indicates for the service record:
4:18
